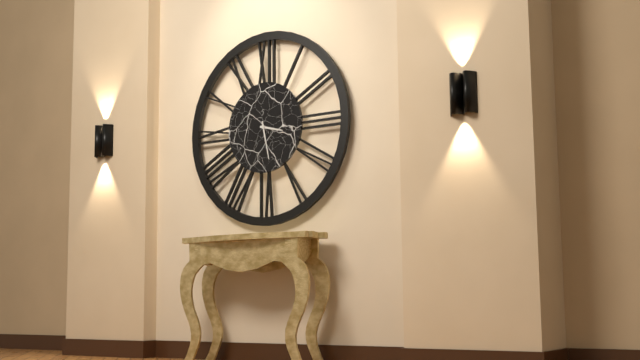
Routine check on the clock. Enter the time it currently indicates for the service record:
3:28
